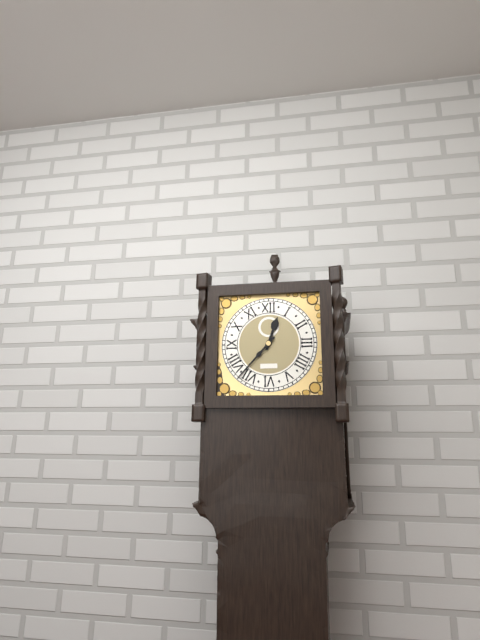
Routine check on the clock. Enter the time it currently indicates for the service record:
12:37
